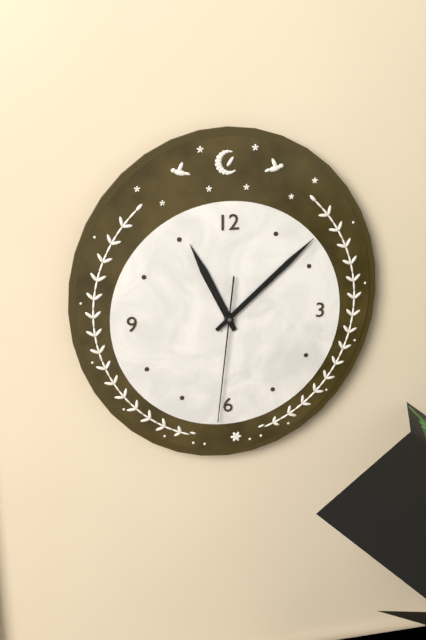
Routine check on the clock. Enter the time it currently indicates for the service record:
11:08:31
